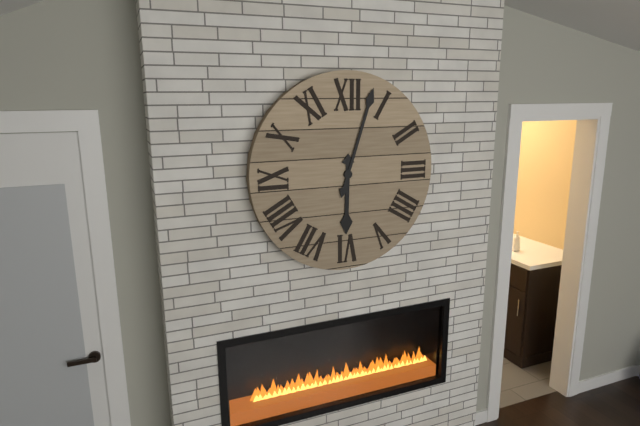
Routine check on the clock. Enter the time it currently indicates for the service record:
6:03
